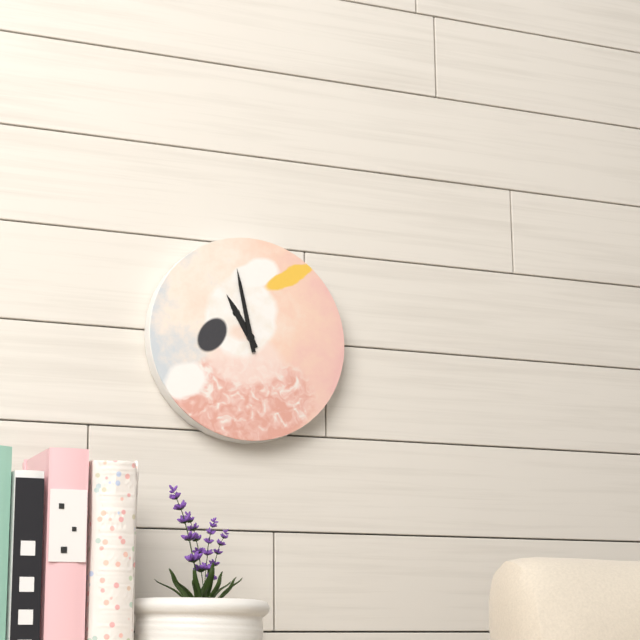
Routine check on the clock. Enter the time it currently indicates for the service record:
10:58
